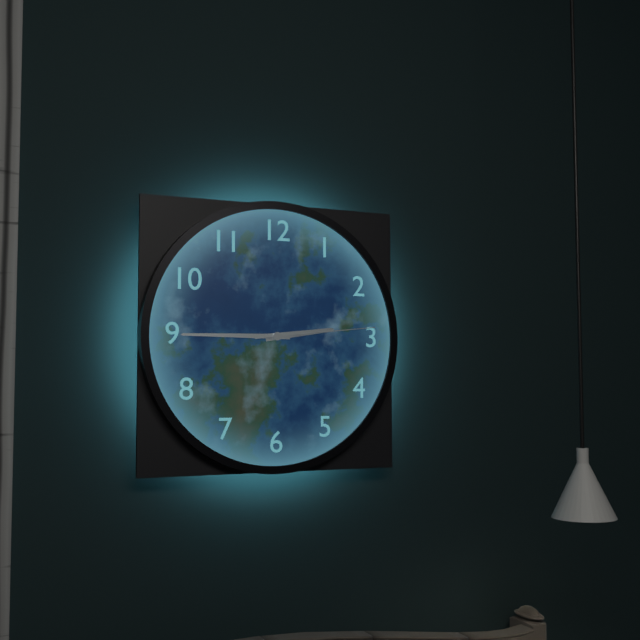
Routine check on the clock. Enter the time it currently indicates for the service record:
2:45:14
